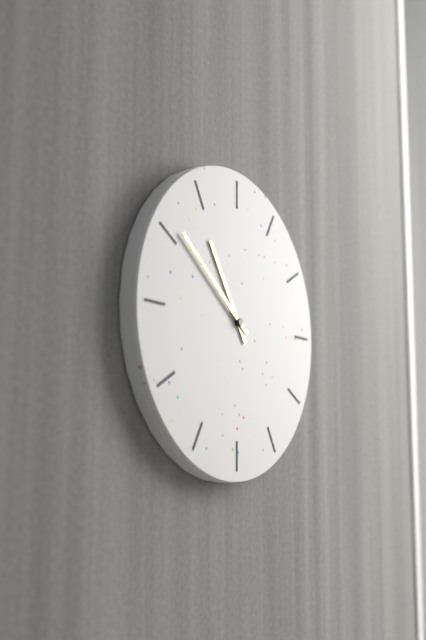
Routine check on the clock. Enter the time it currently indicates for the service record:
10:51
